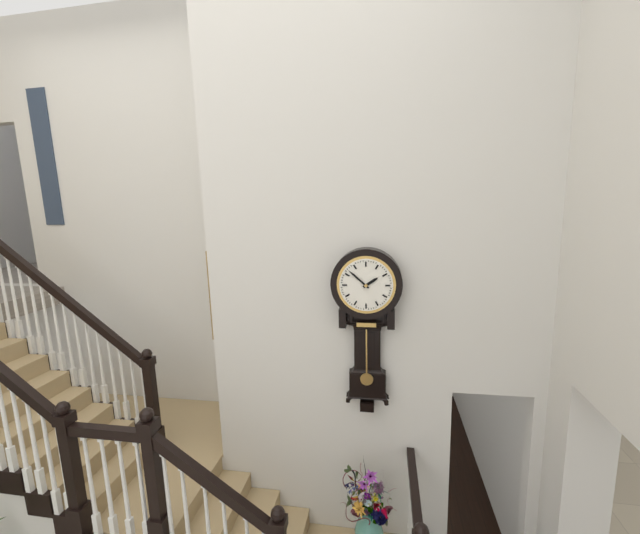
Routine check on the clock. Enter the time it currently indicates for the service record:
1:52
